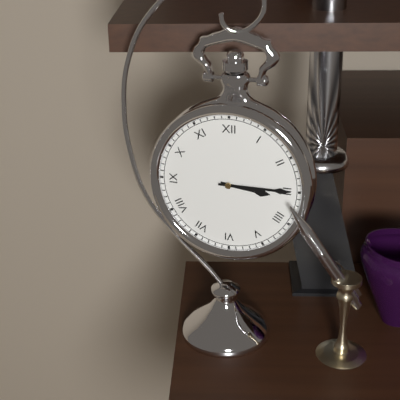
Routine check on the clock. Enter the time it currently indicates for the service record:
3:15
